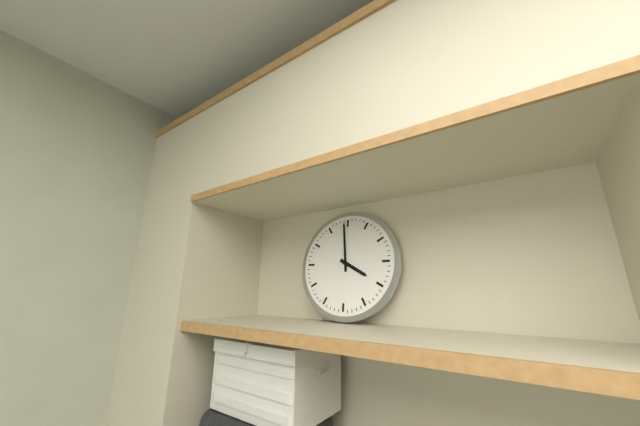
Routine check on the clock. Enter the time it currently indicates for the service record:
3:59
